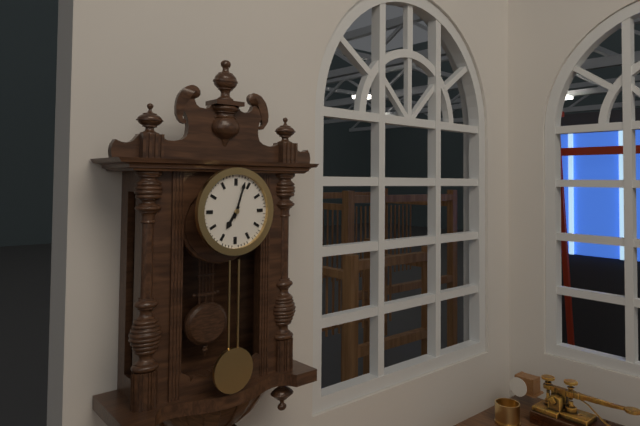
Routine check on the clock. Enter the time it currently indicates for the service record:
7:03
